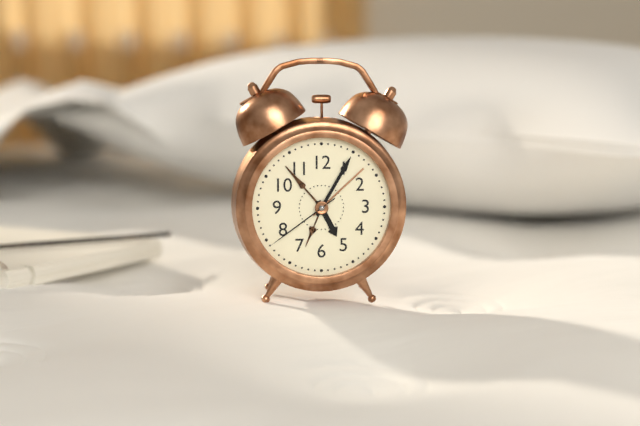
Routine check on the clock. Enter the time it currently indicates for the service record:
5:05:39
